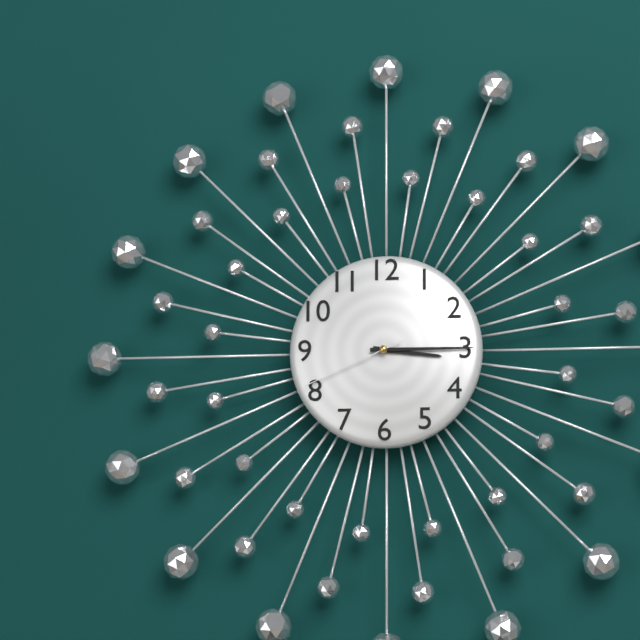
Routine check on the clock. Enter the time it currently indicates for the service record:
3:15:41
